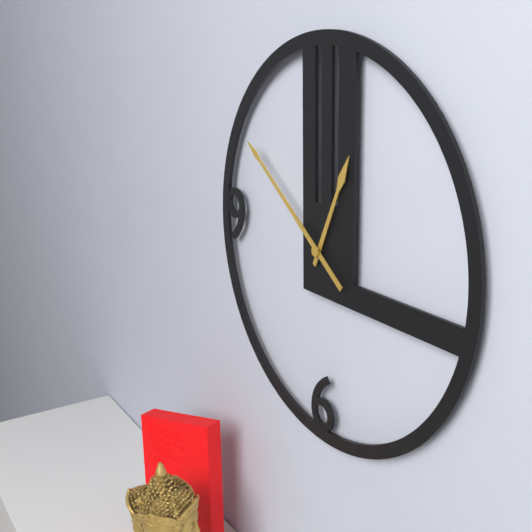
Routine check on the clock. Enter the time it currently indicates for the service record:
12:51
